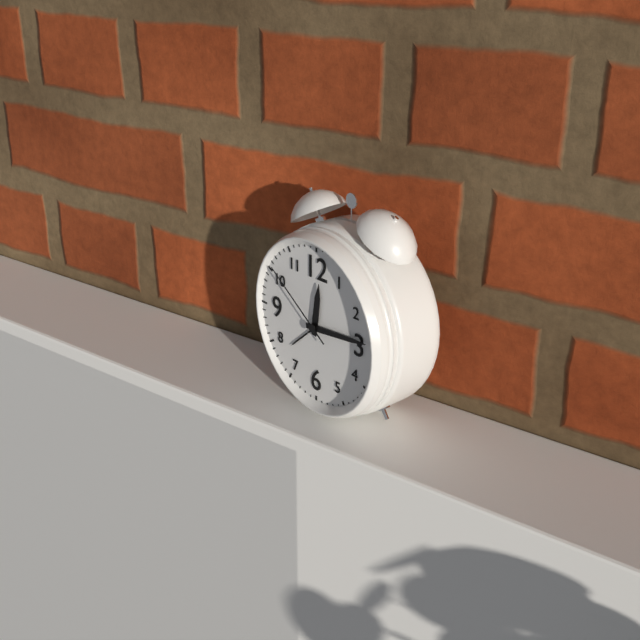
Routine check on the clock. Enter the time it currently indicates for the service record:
12:14:51
